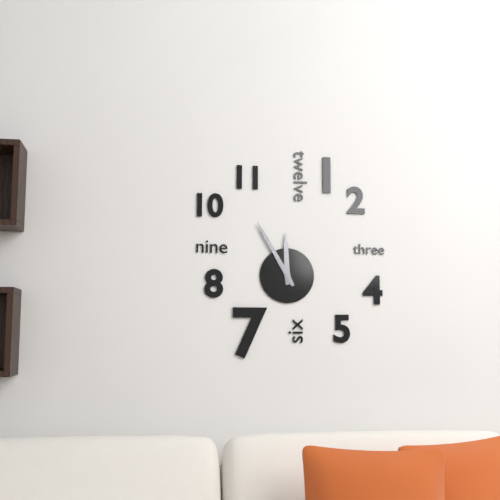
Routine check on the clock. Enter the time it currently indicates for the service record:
11:55
